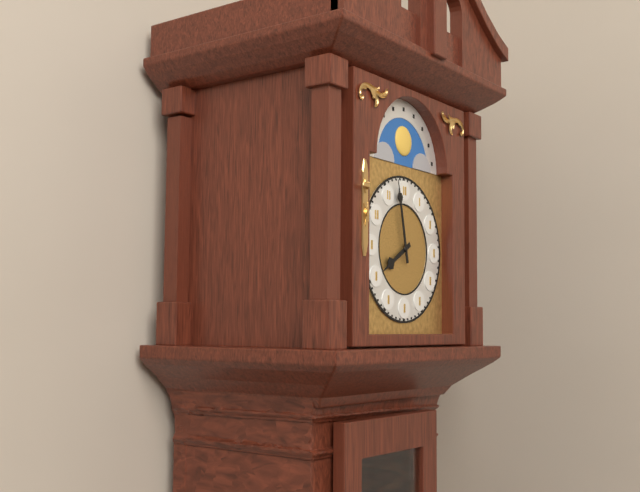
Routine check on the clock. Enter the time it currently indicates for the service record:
7:58
